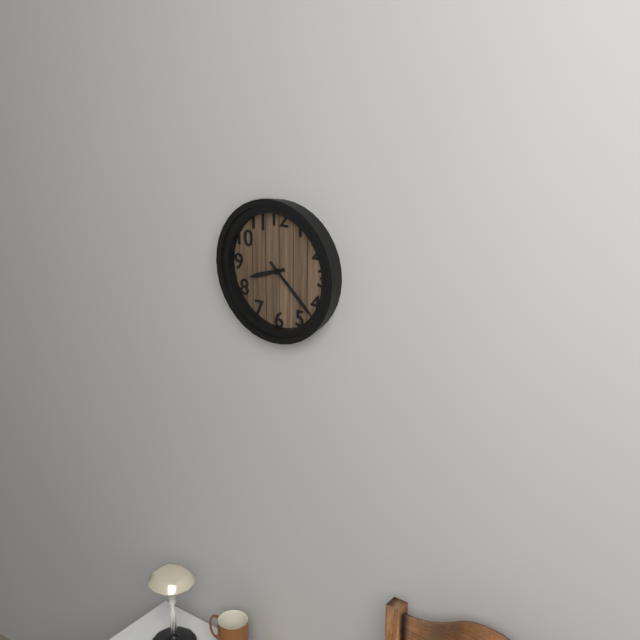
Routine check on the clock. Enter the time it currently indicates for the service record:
8:22
